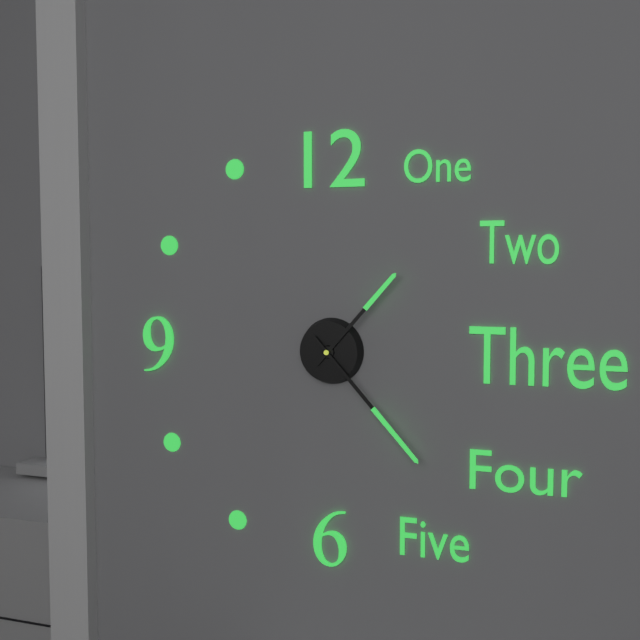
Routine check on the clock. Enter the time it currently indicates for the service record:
1:23
